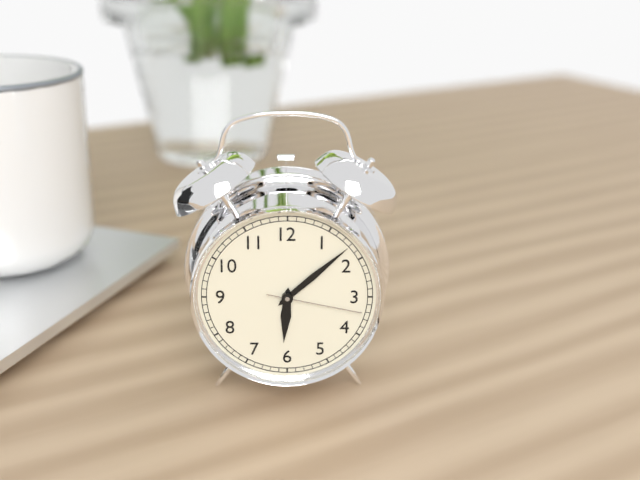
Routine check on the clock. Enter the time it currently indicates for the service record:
6:08:17
